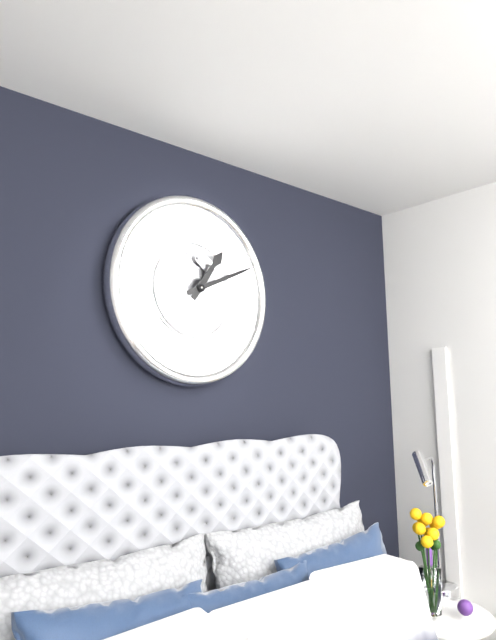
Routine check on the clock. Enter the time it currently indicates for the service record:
1:11
